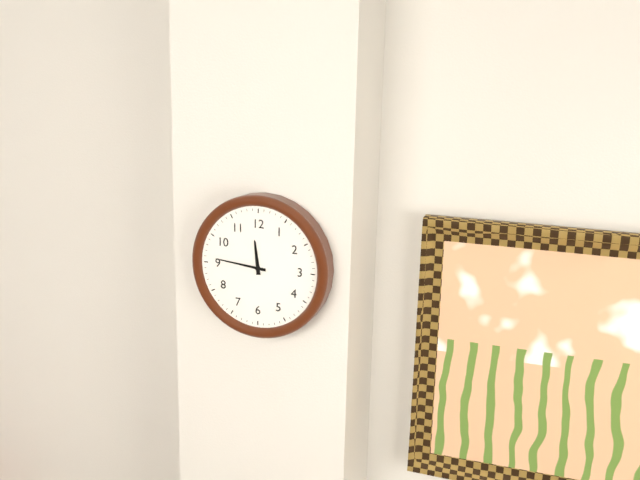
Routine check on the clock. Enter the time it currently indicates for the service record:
11:46
